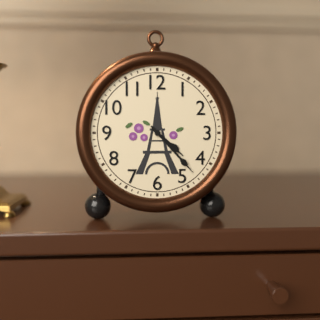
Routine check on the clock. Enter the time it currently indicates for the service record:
4:23
